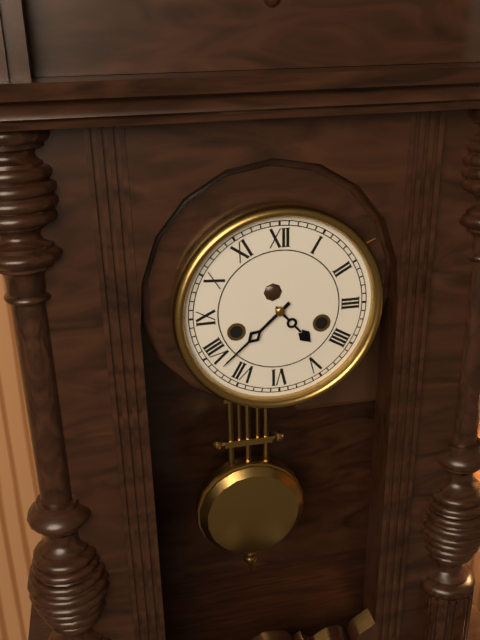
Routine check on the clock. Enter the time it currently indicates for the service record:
4:38
